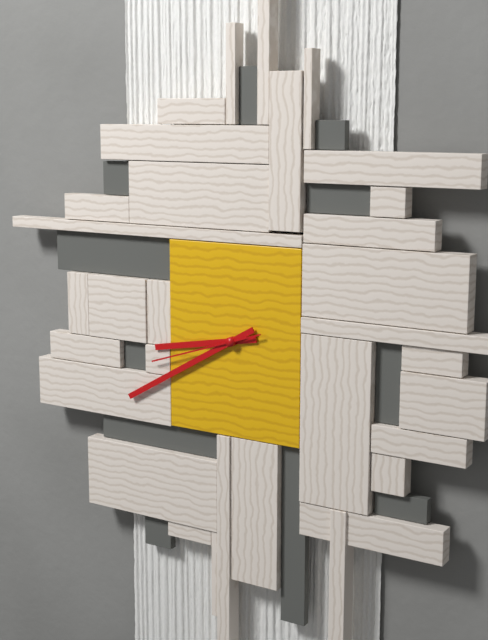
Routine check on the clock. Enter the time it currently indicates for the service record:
8:40:42
